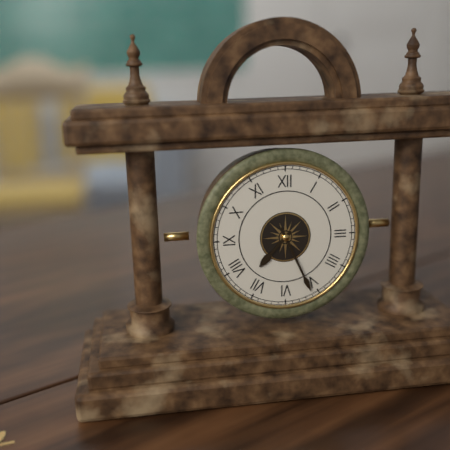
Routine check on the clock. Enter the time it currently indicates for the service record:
7:26
